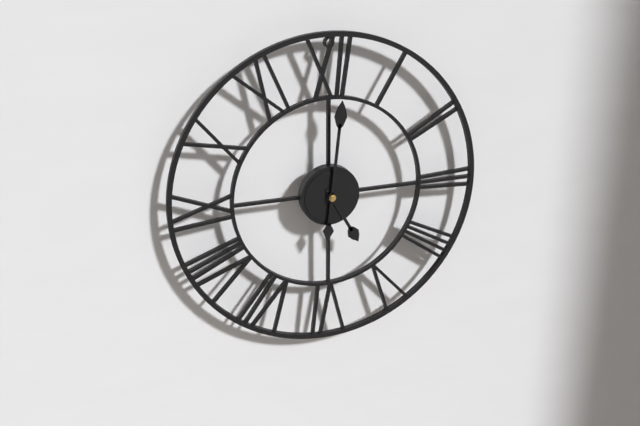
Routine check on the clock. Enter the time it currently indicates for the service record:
5:01
